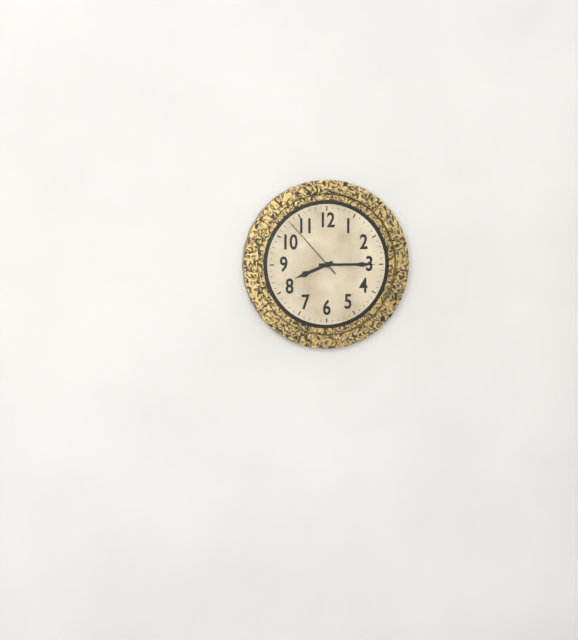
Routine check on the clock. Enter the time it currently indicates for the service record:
8:15:53
